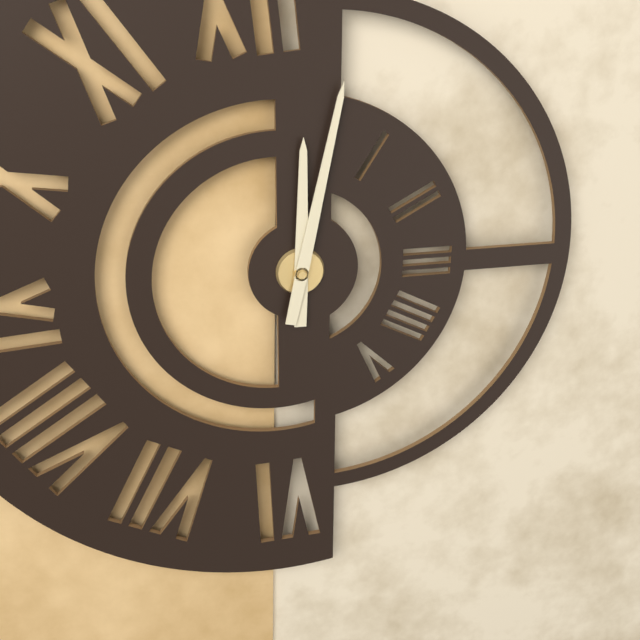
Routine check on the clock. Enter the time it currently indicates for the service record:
12:02
